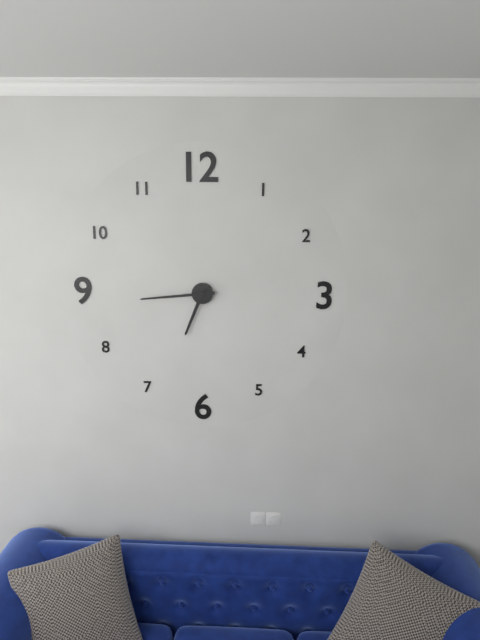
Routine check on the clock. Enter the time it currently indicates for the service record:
6:44
